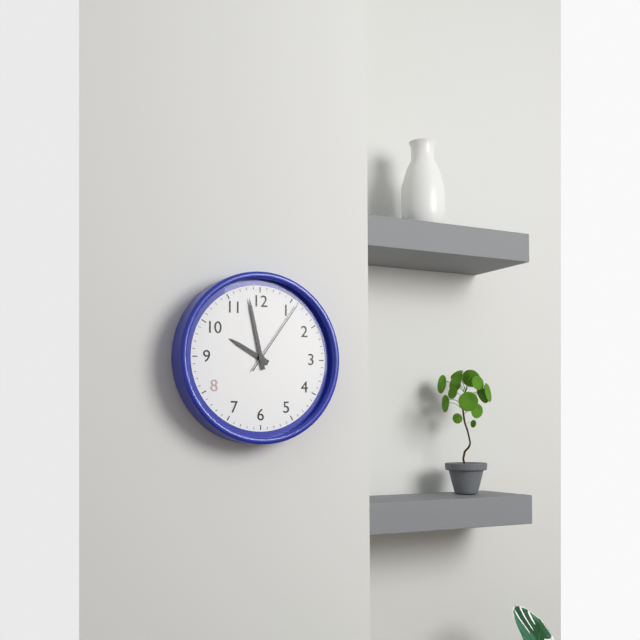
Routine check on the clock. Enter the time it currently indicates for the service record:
9:58:06
